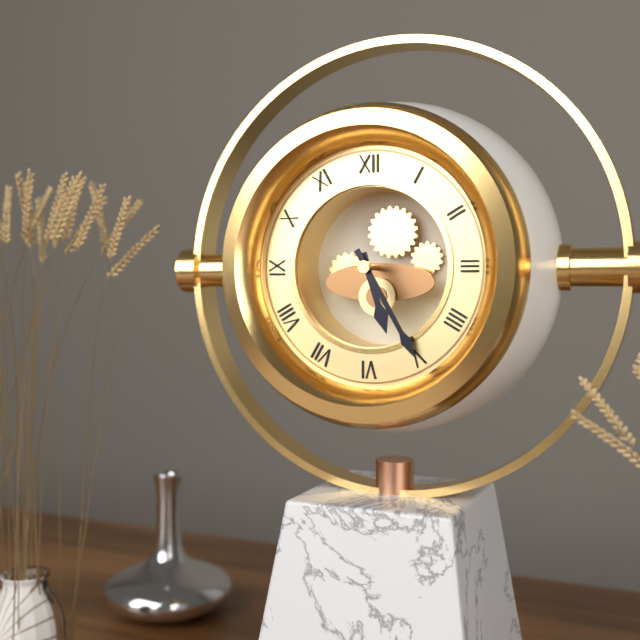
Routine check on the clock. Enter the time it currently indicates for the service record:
5:25
